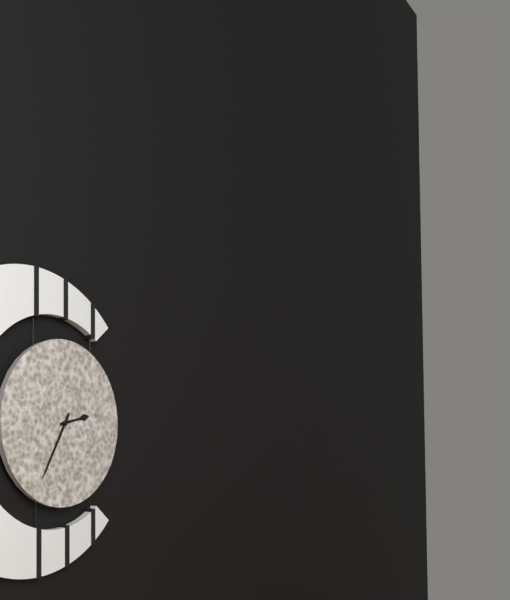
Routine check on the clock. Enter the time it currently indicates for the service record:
2:35
